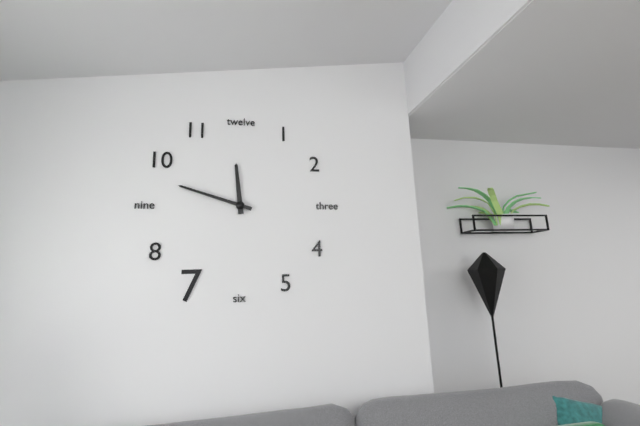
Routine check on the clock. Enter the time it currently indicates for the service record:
11:48
